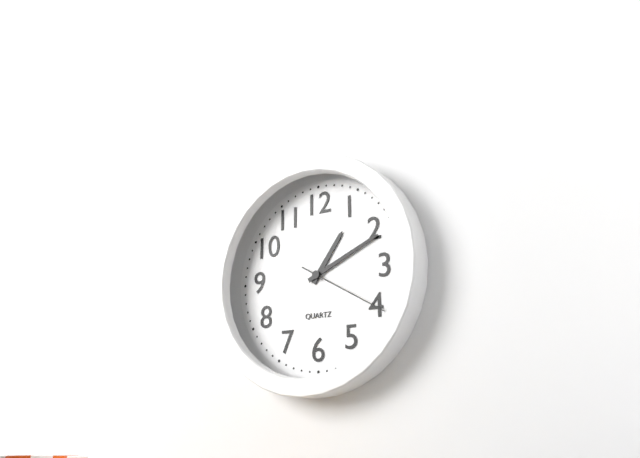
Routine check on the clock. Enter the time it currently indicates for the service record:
1:11:20
